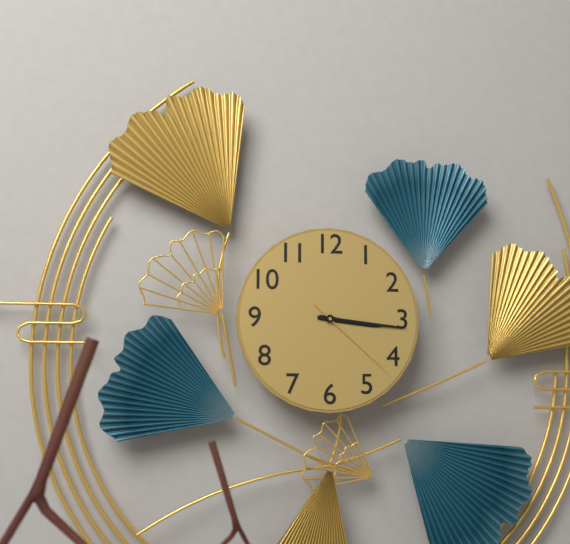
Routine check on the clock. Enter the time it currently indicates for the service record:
3:16:22
